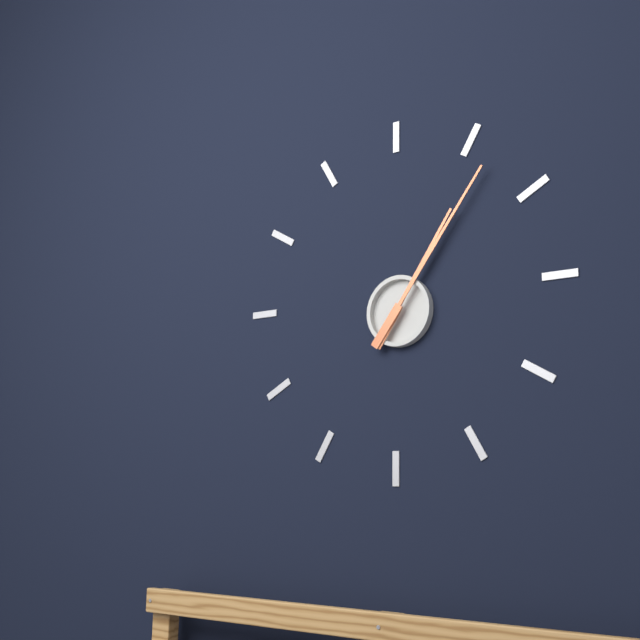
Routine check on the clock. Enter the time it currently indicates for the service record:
1:06
